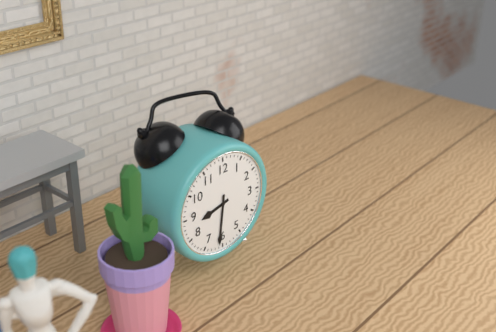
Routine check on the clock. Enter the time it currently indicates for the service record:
8:31
